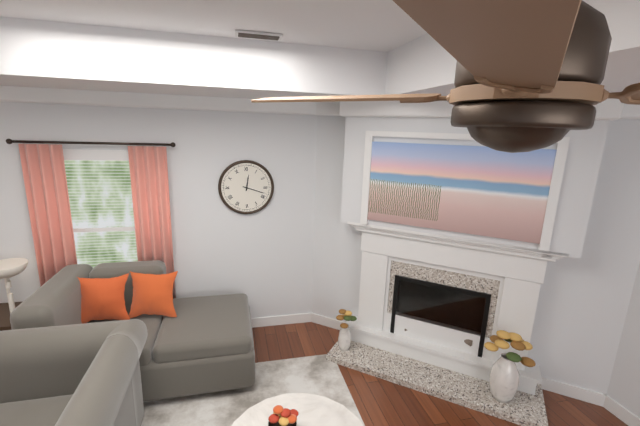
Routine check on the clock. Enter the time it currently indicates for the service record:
12:18
